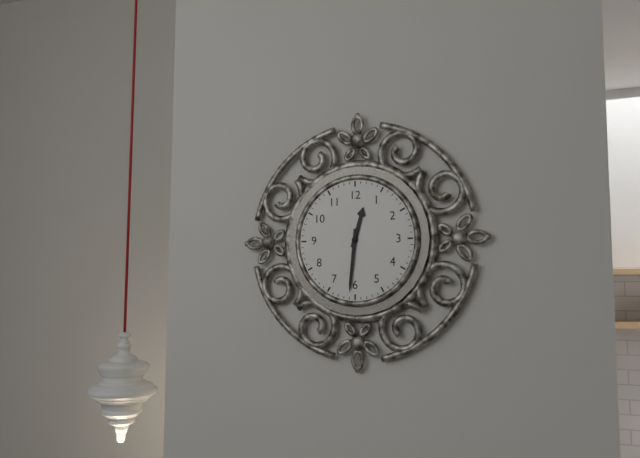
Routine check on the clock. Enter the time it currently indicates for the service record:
12:31
